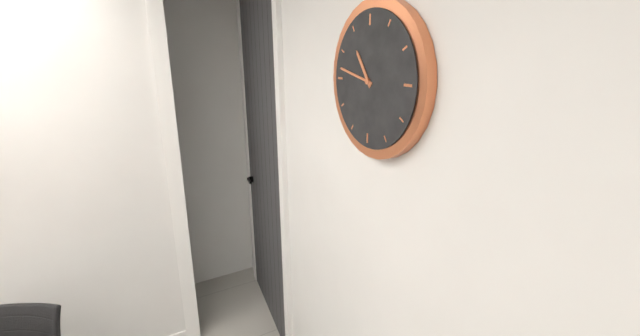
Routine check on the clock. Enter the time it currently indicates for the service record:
10:47
